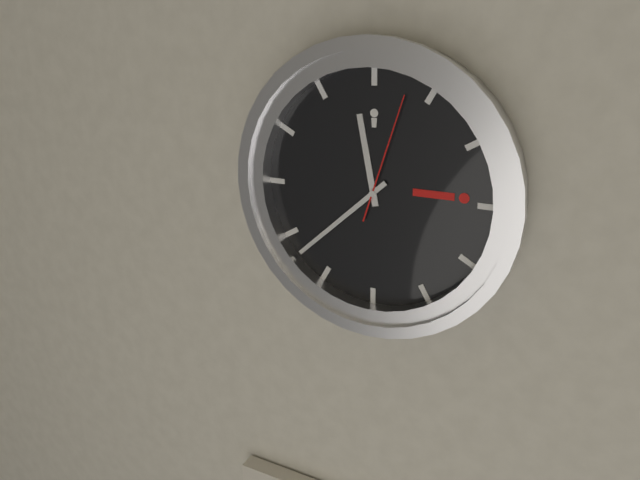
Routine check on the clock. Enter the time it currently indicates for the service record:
11:38:03
